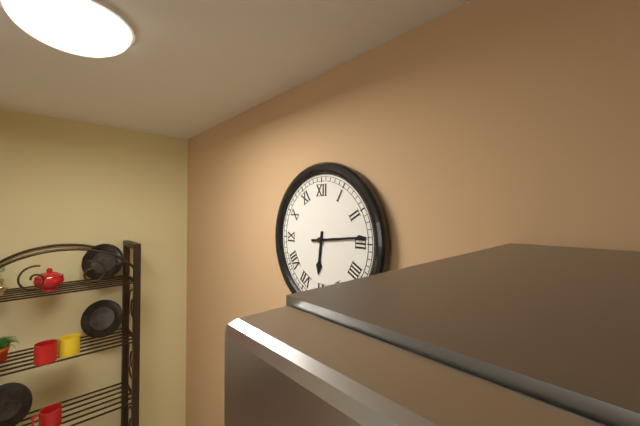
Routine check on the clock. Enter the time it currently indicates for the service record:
6:14
